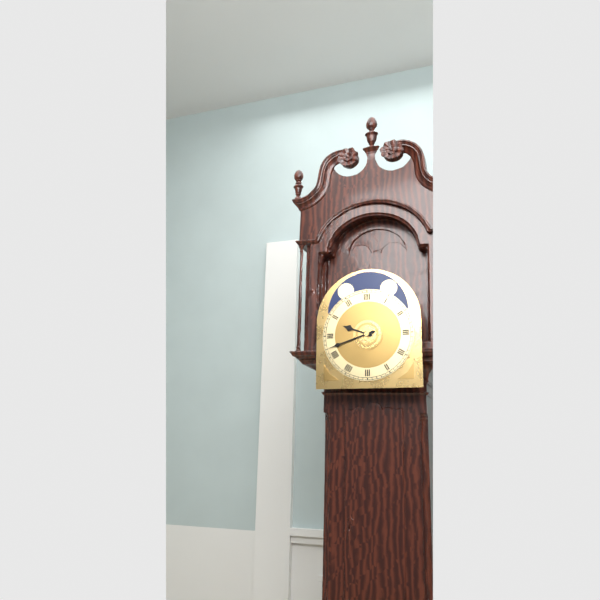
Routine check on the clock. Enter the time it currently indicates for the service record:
9:42
